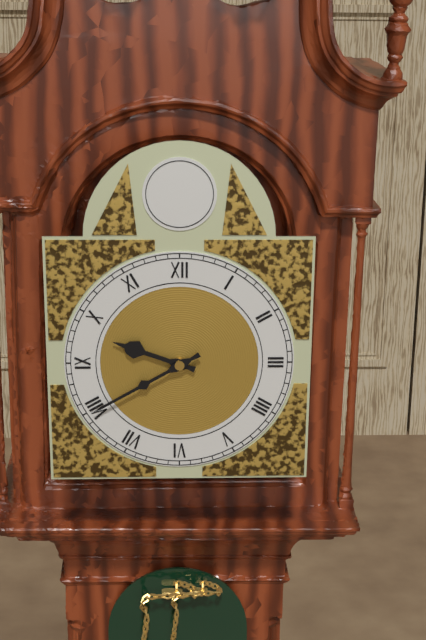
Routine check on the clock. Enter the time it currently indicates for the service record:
9:40
